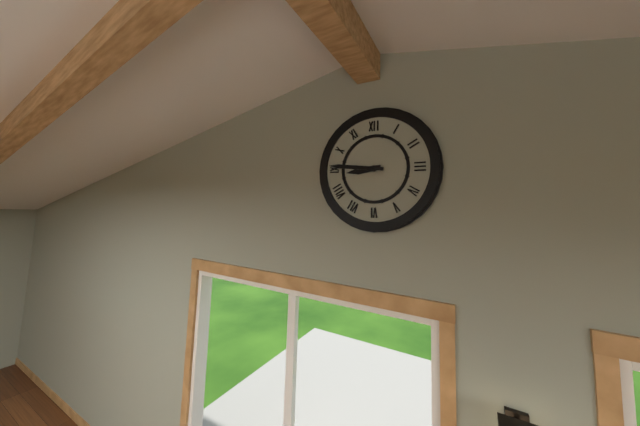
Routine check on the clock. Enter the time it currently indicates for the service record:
8:46
